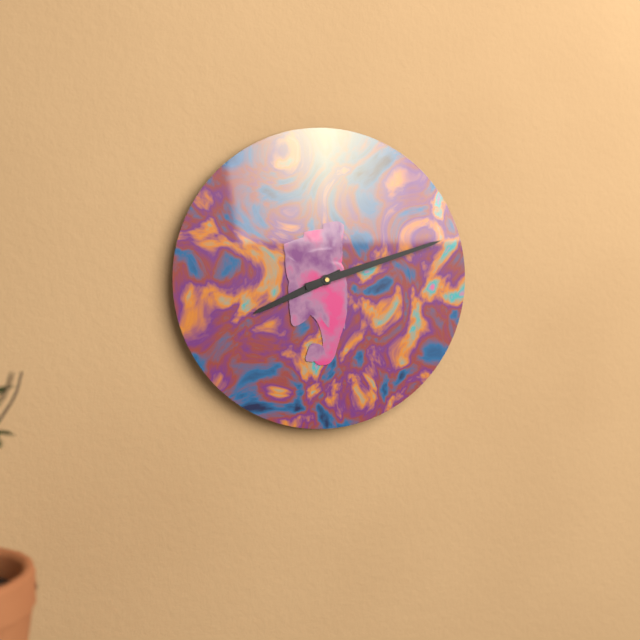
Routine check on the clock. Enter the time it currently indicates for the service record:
8:12
